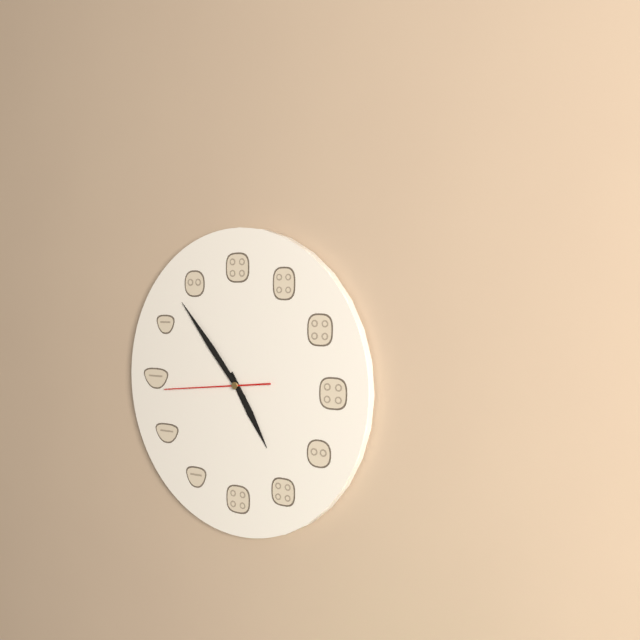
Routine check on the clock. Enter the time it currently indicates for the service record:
4:53:44
